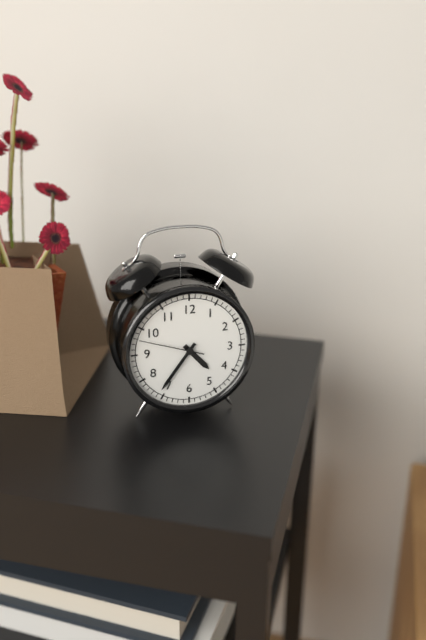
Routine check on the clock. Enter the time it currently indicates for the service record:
4:36:48
